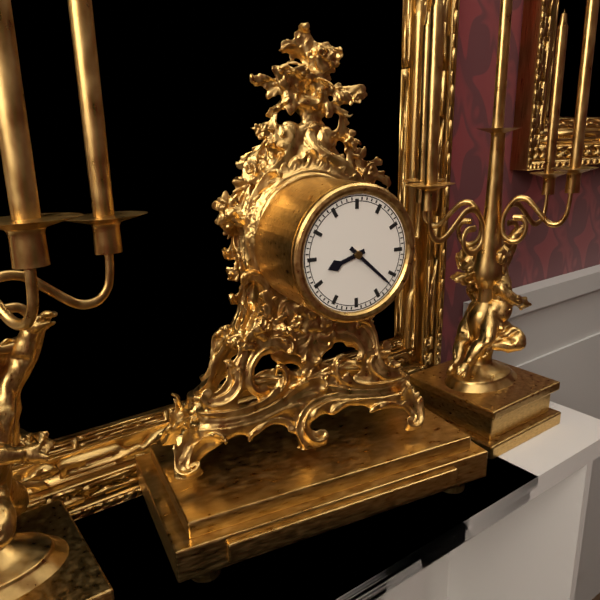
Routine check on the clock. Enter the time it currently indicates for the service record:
8:22
